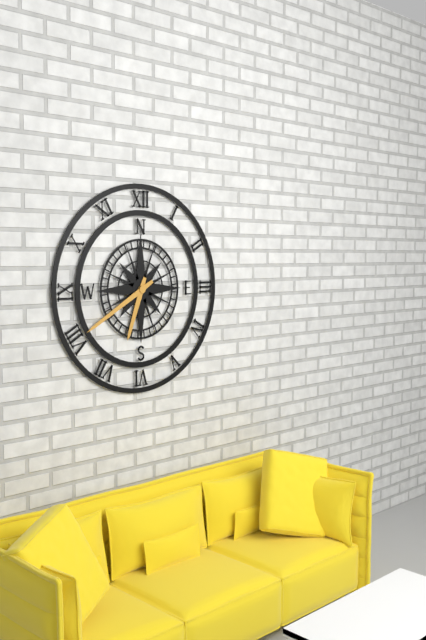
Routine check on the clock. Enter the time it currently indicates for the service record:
6:40
